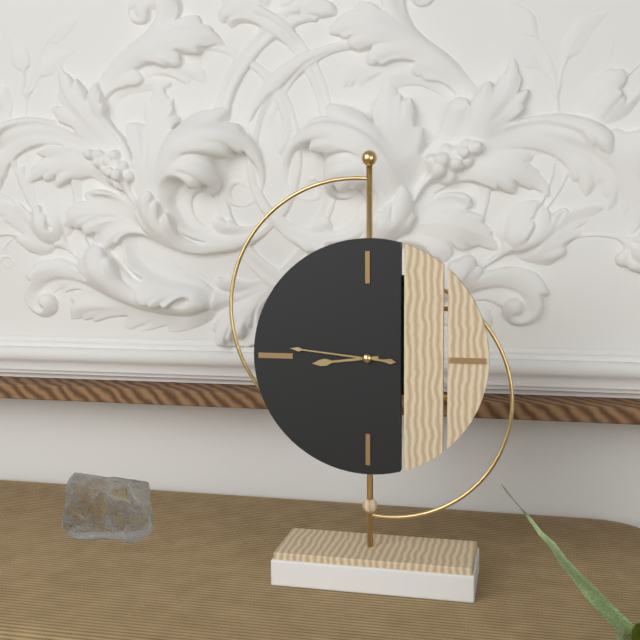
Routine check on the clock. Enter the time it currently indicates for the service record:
8:46
